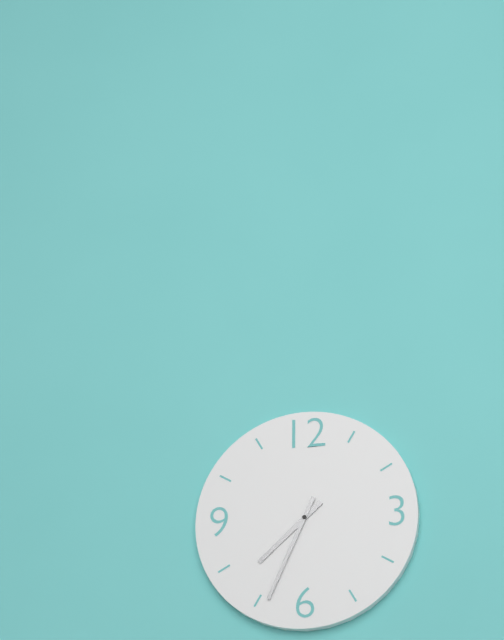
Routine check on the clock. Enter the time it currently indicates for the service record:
7:34
